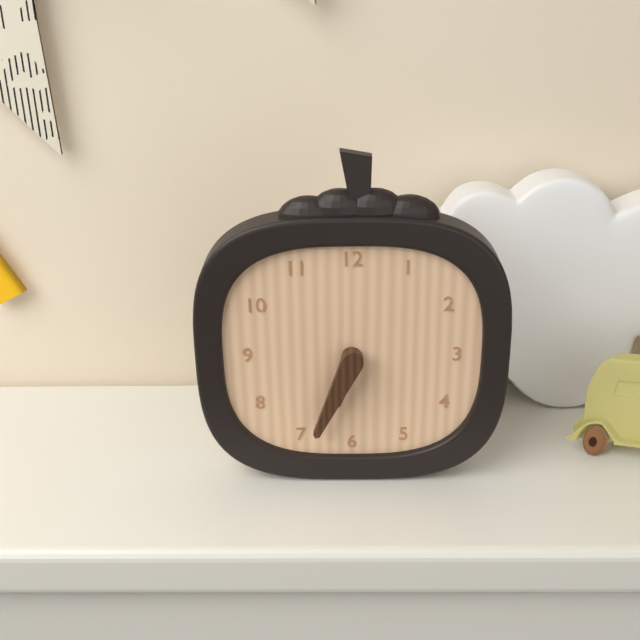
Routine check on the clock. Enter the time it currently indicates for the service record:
6:34
